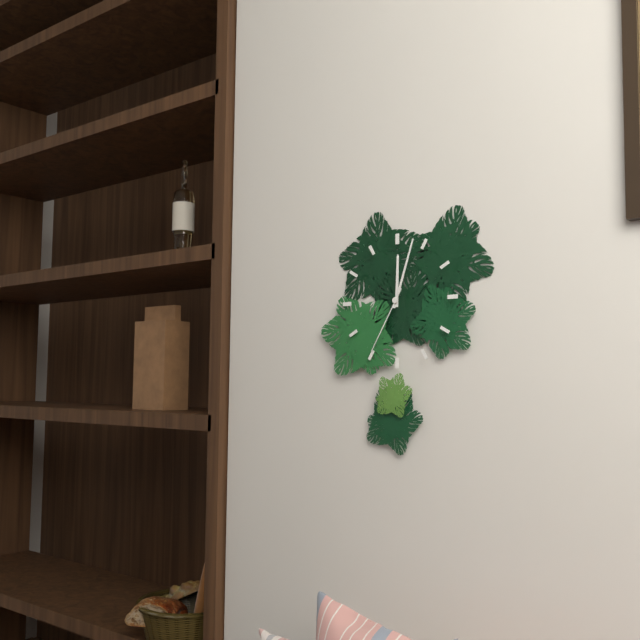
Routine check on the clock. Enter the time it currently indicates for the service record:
12:03:35
